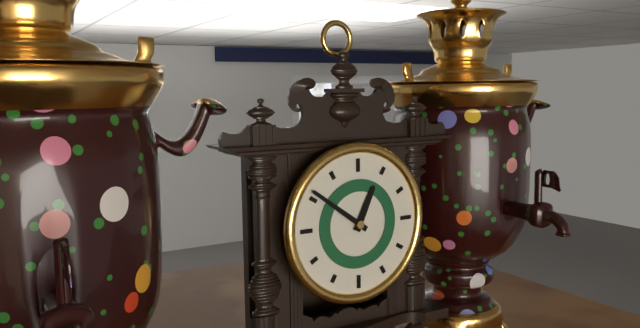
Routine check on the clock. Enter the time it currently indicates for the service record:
12:51
